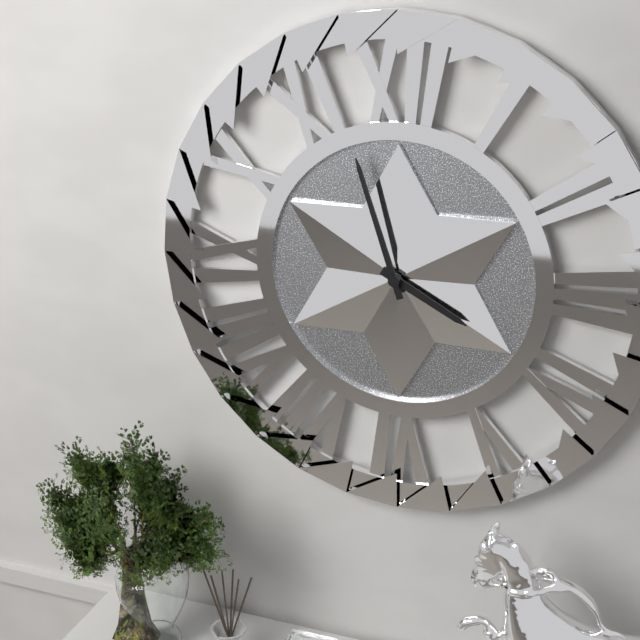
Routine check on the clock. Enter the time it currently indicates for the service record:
3:57
